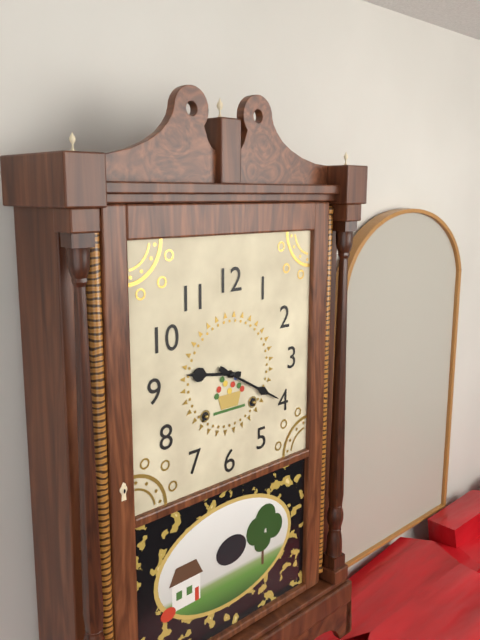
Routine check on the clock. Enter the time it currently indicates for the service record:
9:20
